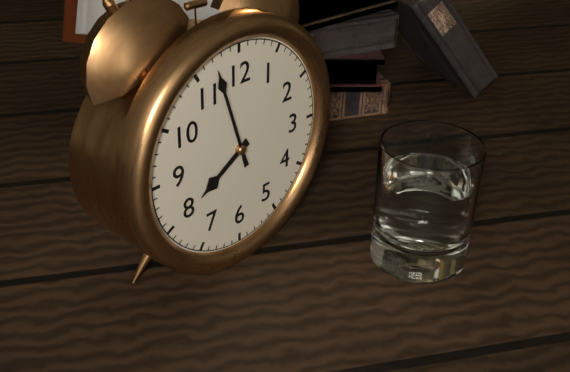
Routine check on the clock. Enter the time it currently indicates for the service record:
7:57
